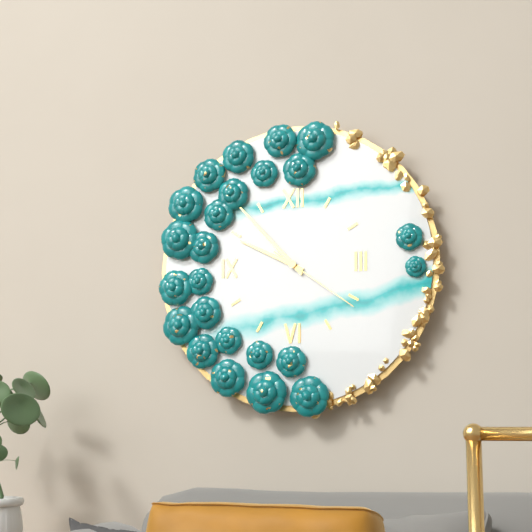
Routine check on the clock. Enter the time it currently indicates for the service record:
9:53:21
